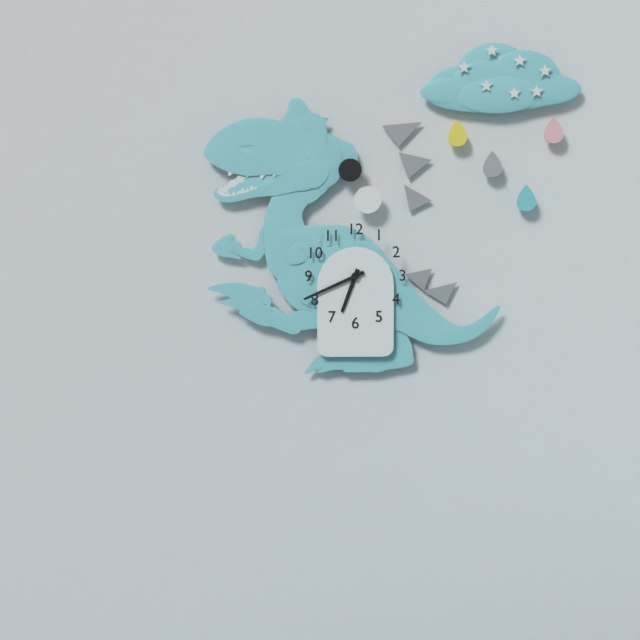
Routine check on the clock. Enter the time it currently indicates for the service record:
6:41
